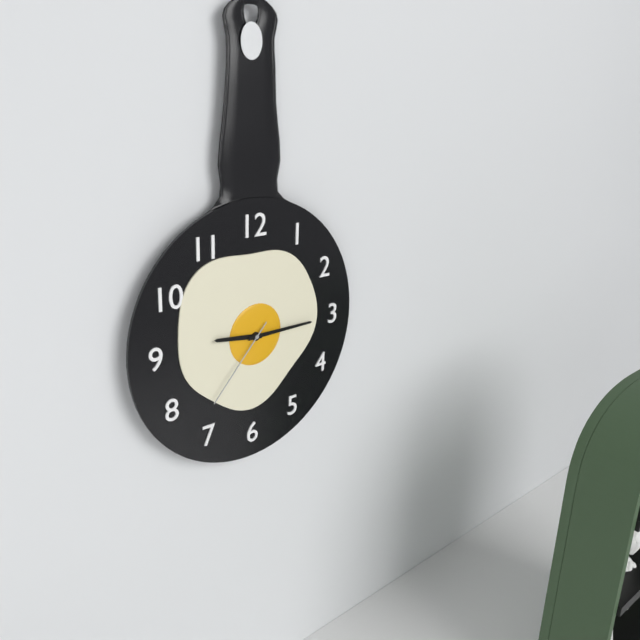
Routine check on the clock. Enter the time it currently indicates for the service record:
9:15:37
